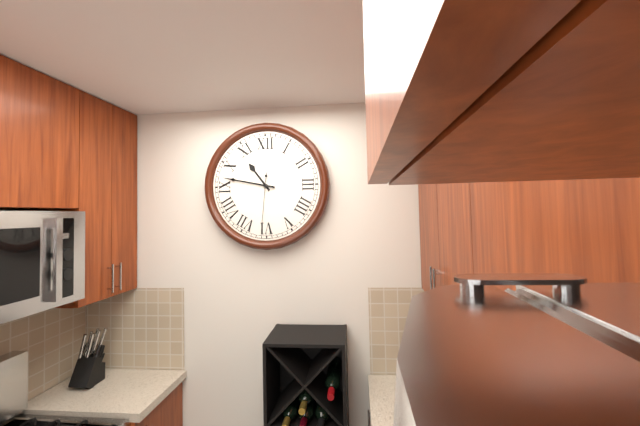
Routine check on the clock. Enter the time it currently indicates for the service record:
10:47:31
